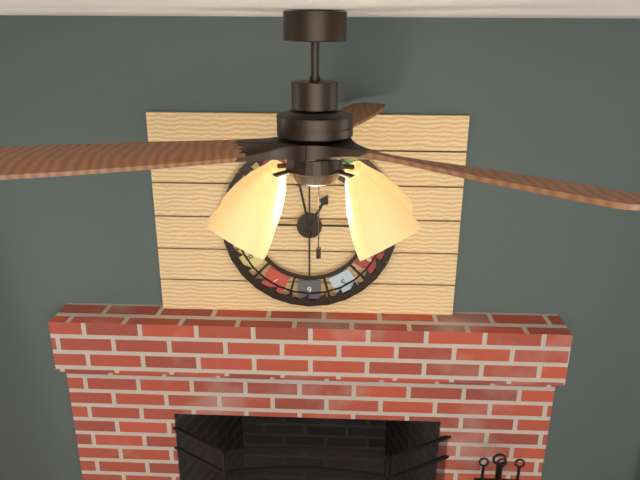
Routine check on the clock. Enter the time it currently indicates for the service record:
12:58
